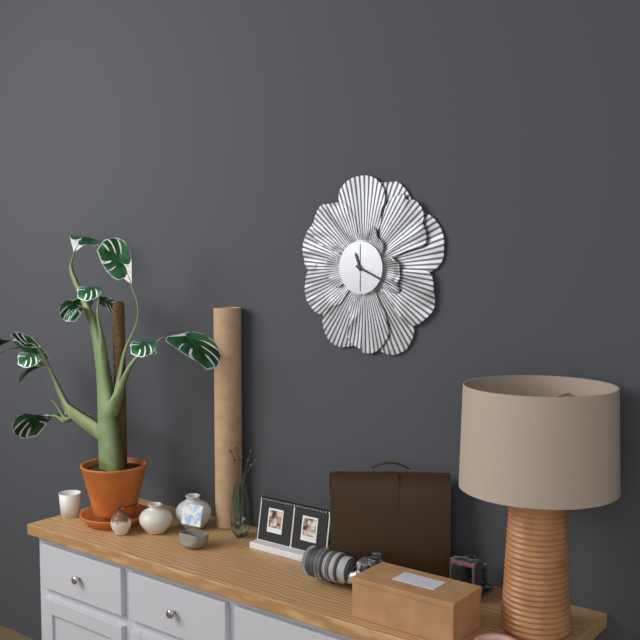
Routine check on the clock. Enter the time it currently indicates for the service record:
11:19
